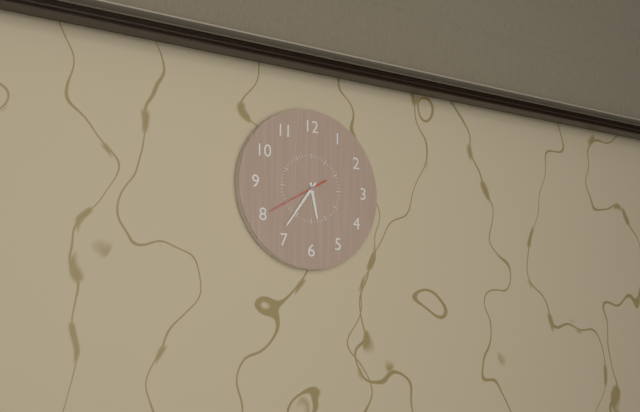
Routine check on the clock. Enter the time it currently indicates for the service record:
5:36:40
